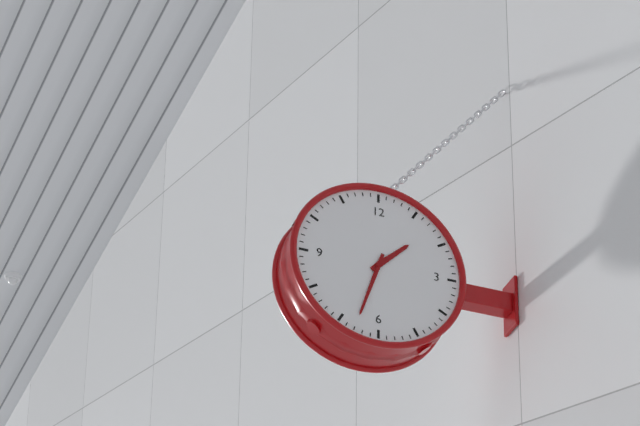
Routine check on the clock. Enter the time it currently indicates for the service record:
1:33
